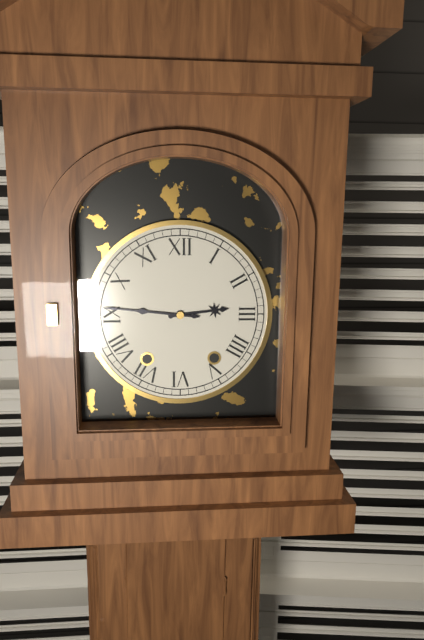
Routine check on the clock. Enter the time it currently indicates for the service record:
2:46
